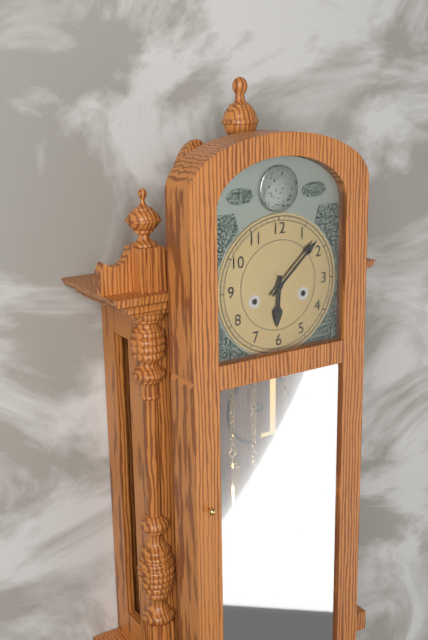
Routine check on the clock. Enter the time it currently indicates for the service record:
6:08
